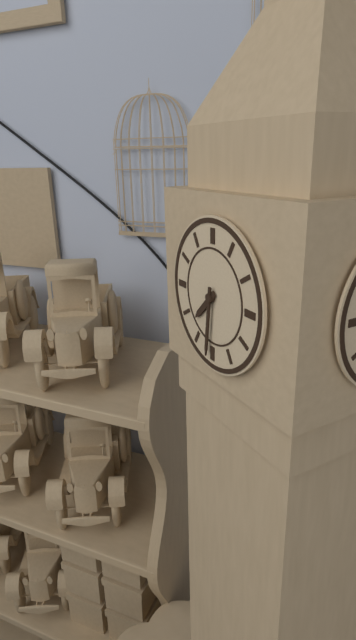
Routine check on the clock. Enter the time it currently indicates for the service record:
7:31
